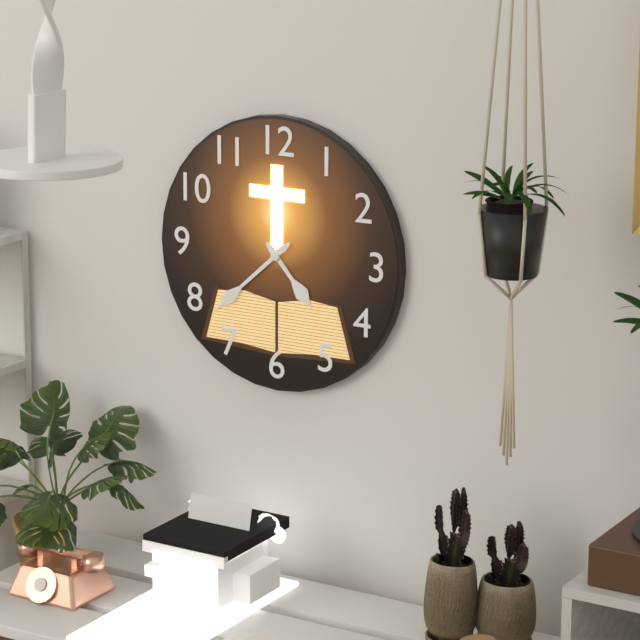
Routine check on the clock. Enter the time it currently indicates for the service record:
4:38
